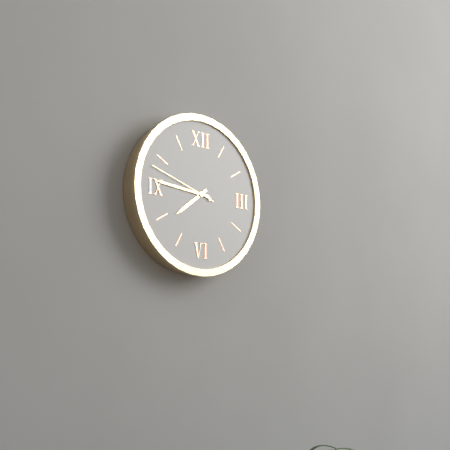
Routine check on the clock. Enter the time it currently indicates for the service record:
7:46:48
